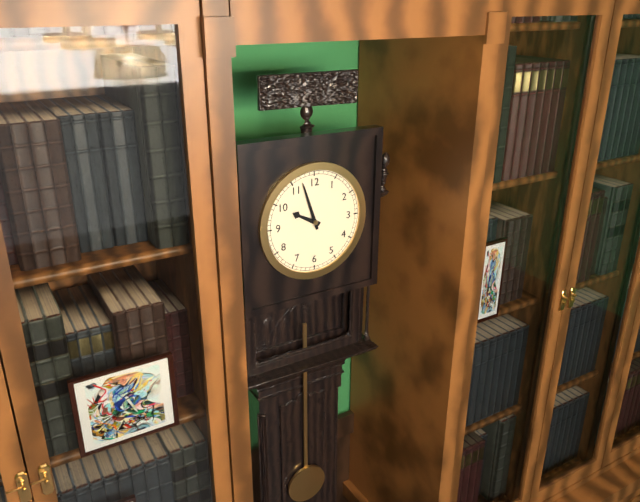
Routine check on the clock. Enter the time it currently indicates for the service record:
9:57
